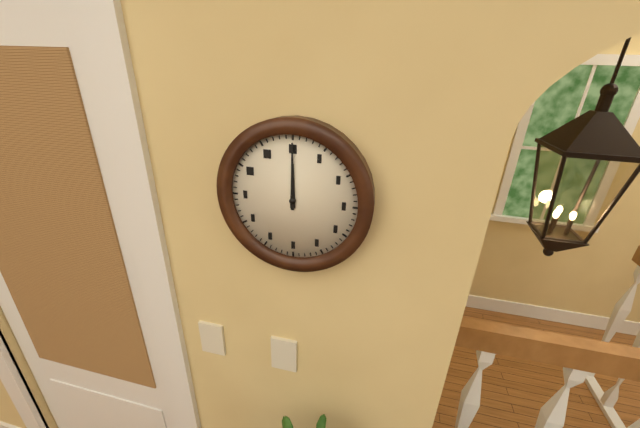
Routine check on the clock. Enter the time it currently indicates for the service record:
12:00
